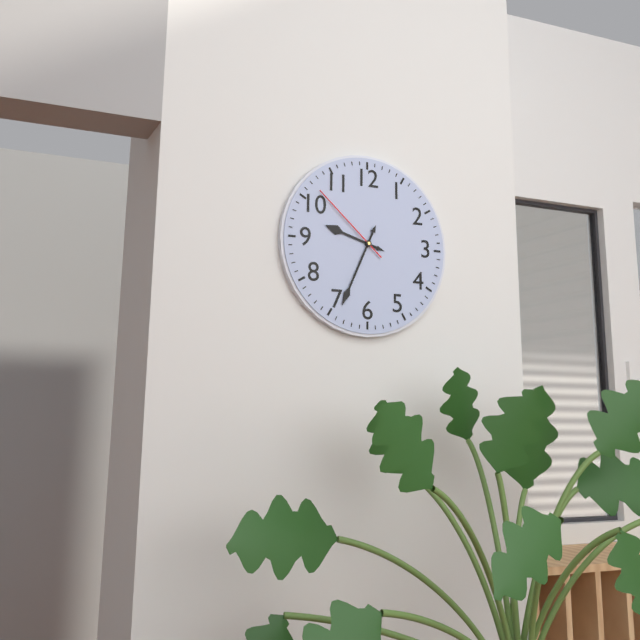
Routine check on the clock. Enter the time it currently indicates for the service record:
9:34:52
